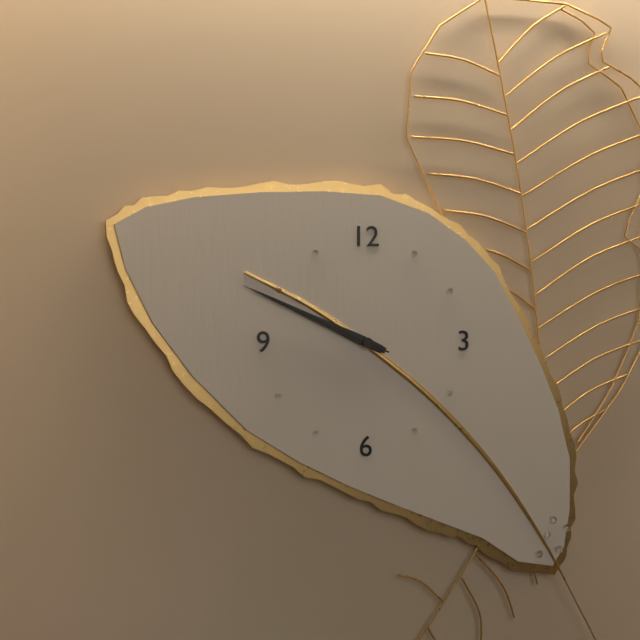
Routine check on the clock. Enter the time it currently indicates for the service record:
9:49:49
